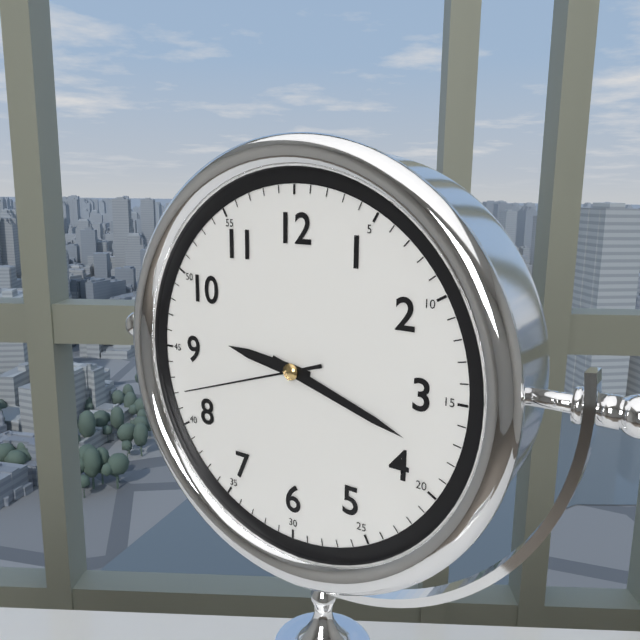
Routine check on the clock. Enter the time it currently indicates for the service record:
9:18:42
